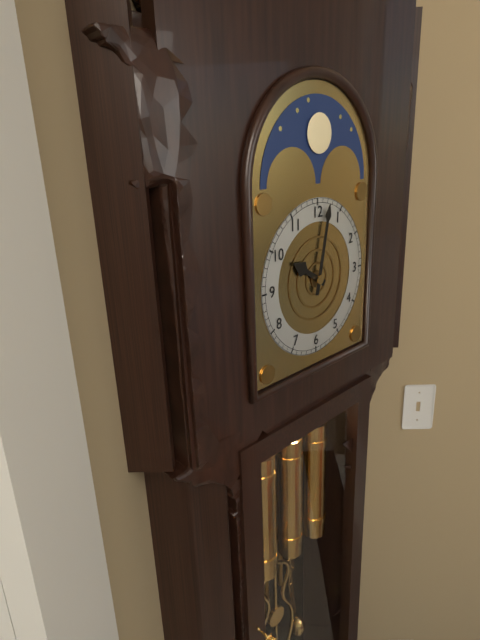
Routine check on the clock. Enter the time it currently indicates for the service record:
10:02
